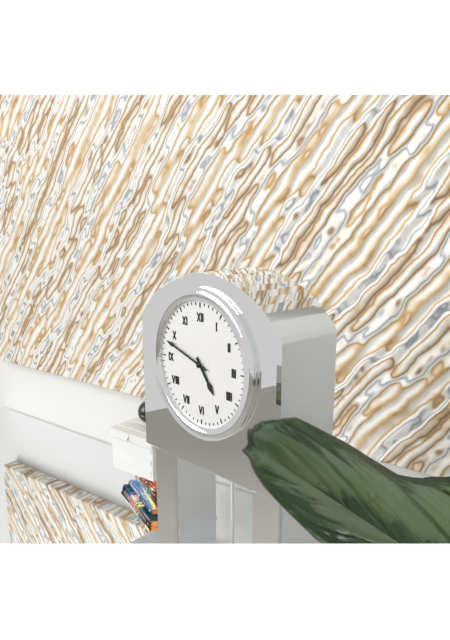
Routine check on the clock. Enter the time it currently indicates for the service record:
4:48
